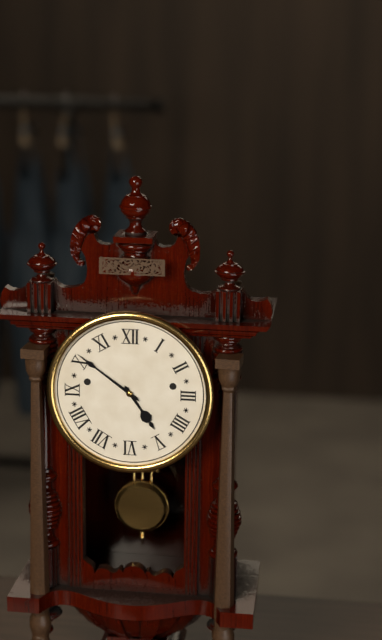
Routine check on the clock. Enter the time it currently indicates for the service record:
4:51
